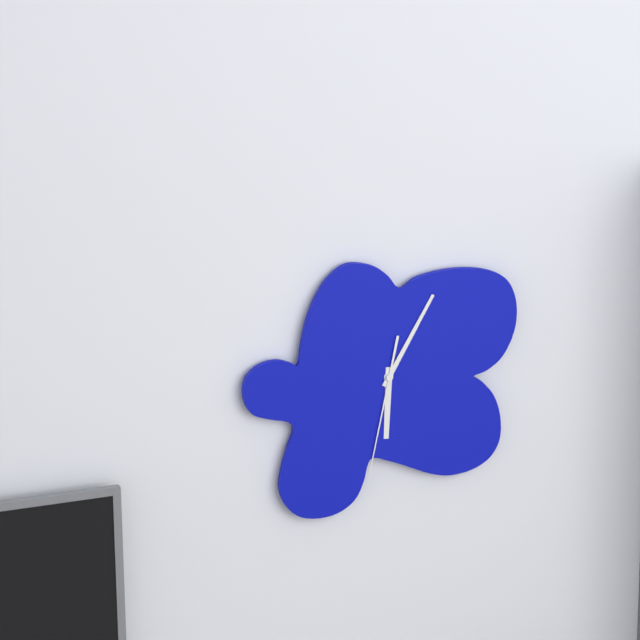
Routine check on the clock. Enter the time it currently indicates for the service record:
6:05:32
